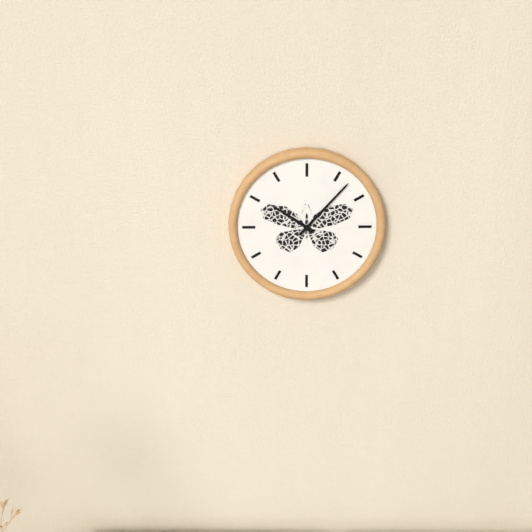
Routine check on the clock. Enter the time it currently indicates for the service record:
10:07
